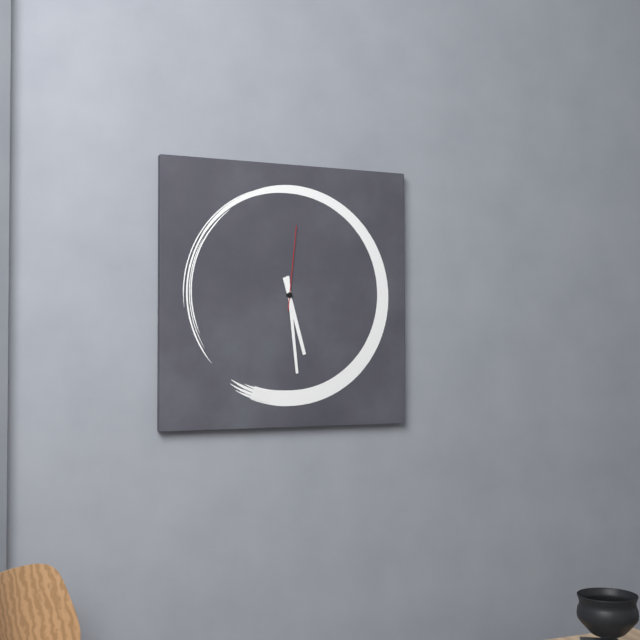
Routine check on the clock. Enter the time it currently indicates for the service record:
5:29:01
